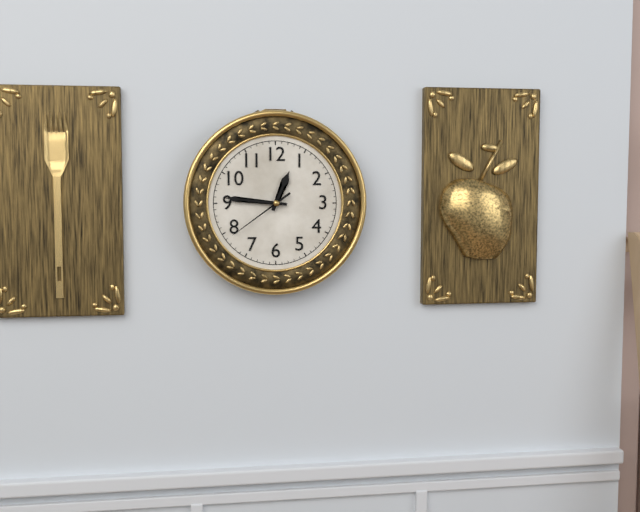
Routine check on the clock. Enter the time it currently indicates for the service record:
12:46:39
